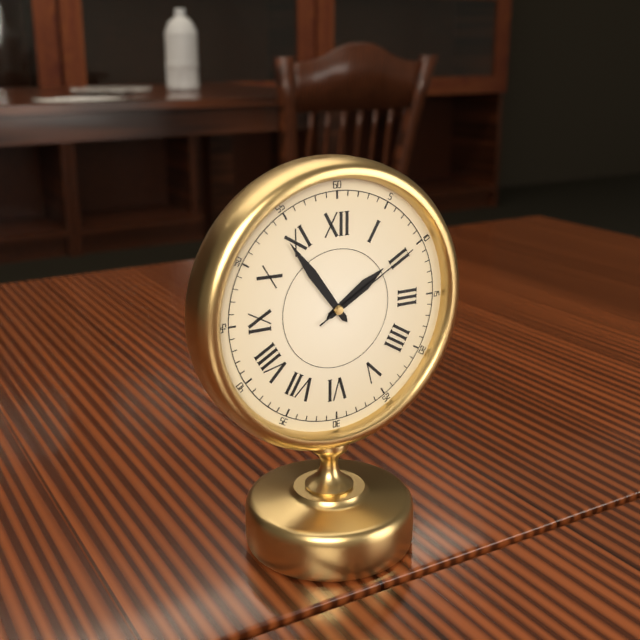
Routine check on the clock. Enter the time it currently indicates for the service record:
1:54:10
